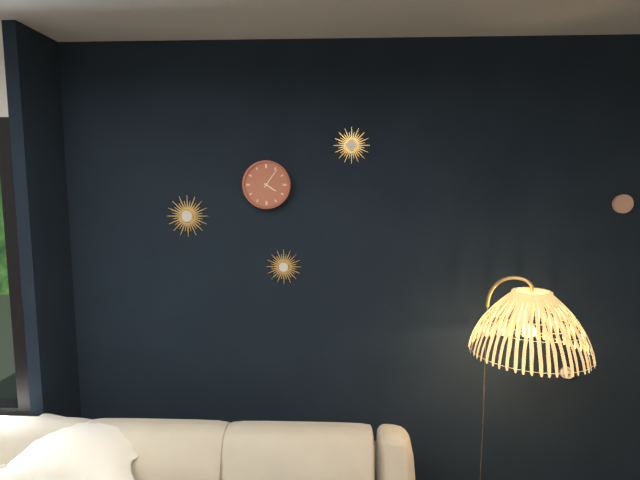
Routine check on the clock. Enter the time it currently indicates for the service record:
4:06
